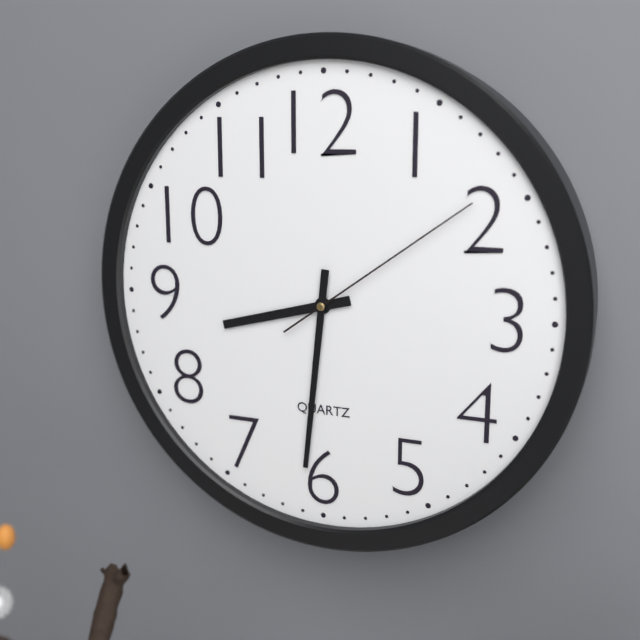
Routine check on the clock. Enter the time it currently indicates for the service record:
8:31:09
